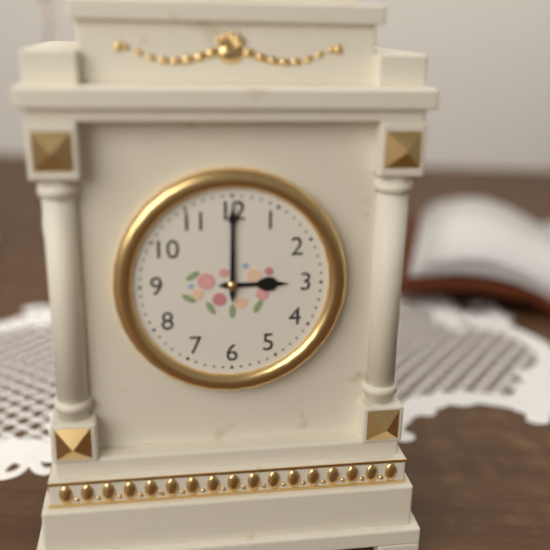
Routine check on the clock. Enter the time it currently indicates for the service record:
3:00
